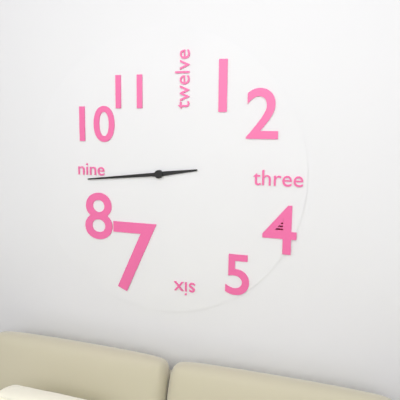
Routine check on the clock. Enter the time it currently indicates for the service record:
2:44
